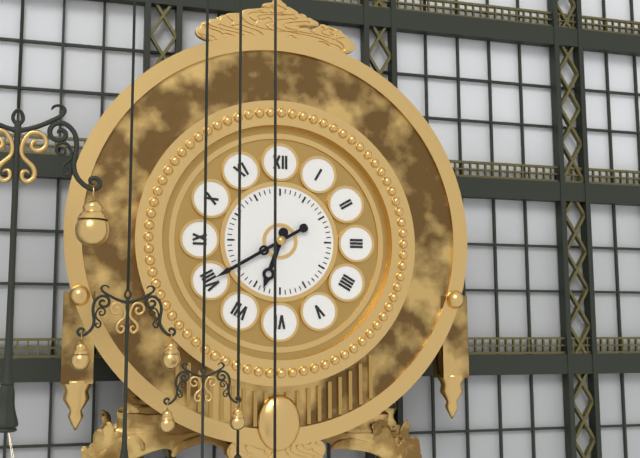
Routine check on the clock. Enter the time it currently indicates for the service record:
6:40
